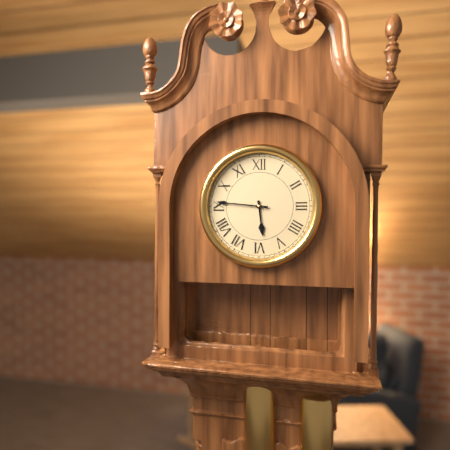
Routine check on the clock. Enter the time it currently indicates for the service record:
5:46
